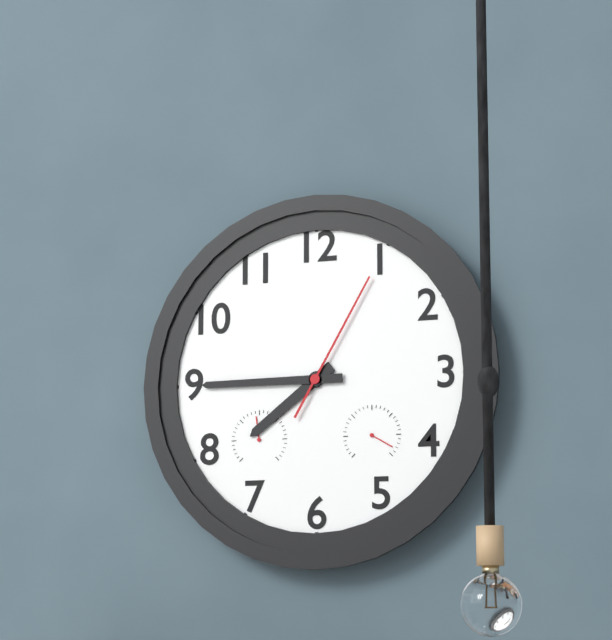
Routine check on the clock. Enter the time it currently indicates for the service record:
7:45:05
